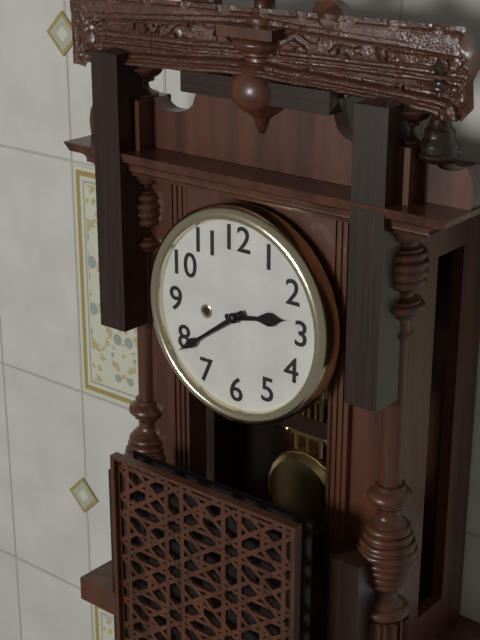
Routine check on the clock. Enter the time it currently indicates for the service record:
2:39
